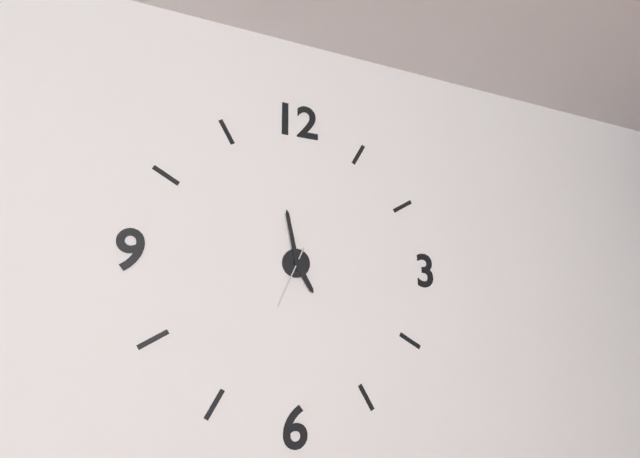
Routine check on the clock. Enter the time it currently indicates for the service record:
4:58:34
